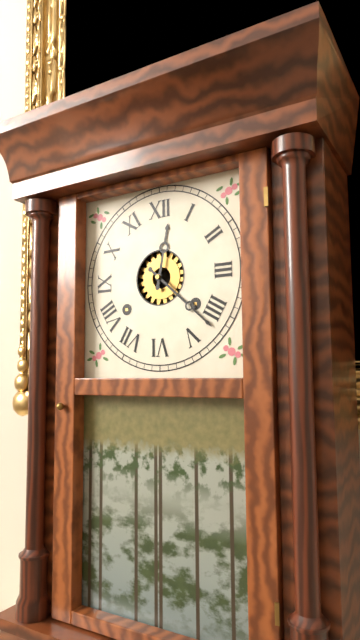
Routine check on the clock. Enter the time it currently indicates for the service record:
12:22
